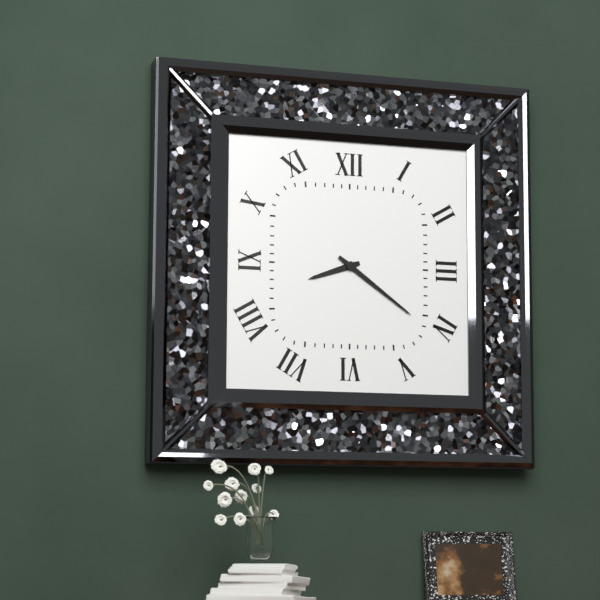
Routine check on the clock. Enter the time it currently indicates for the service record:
8:21
